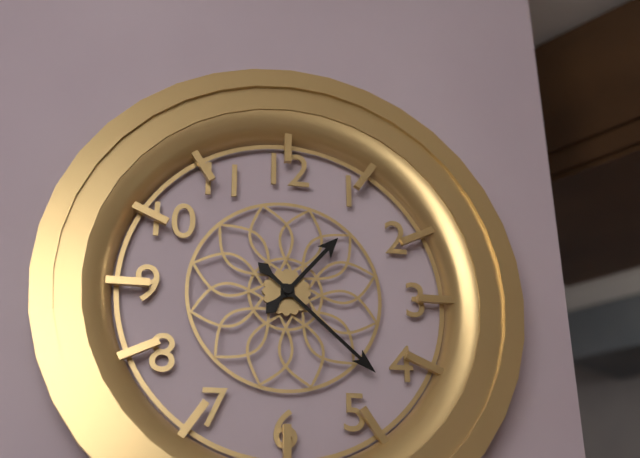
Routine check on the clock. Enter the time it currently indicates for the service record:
1:22
